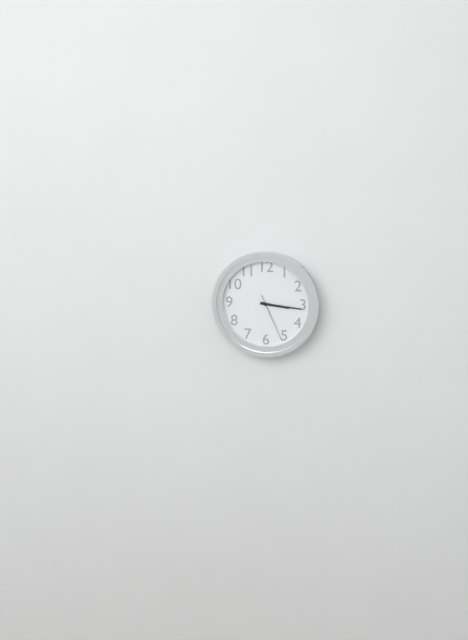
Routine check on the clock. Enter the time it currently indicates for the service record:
3:16
